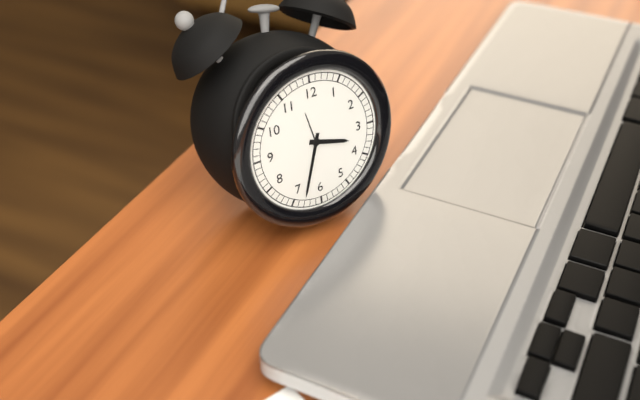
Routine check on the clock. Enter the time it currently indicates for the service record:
3:33
